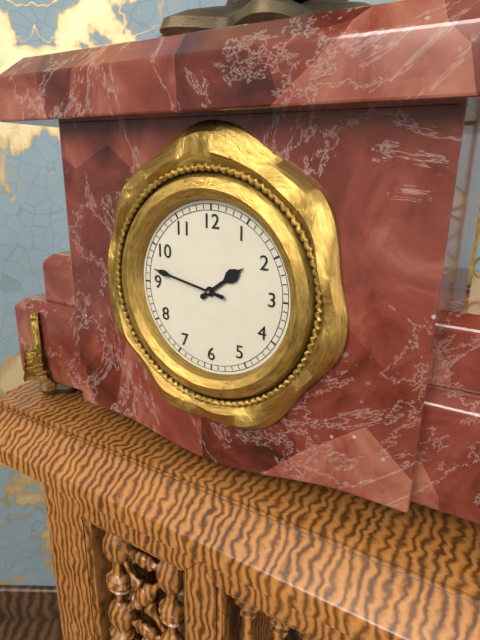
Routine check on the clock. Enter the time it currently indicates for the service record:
1:47
